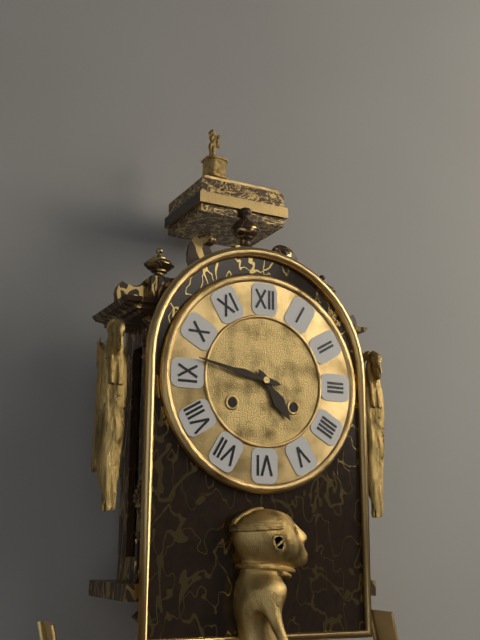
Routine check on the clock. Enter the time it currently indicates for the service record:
4:47
